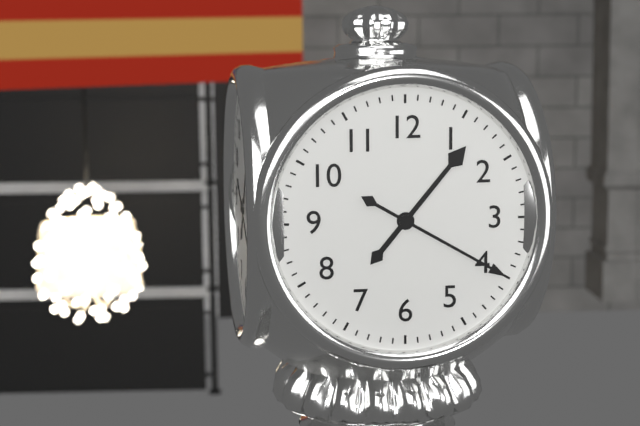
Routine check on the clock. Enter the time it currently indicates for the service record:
1:20
